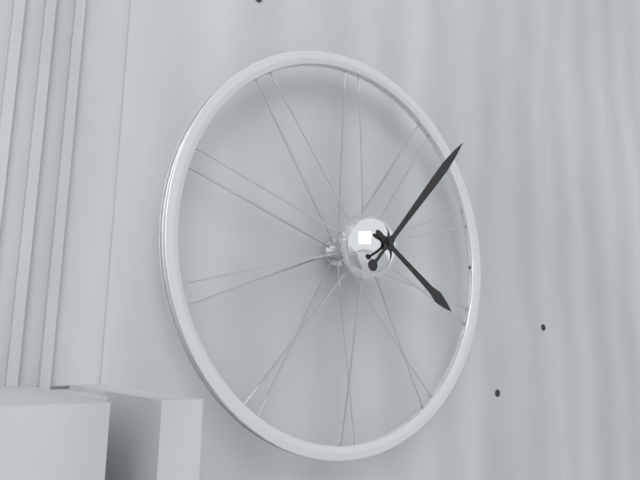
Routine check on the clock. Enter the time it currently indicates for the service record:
4:07
